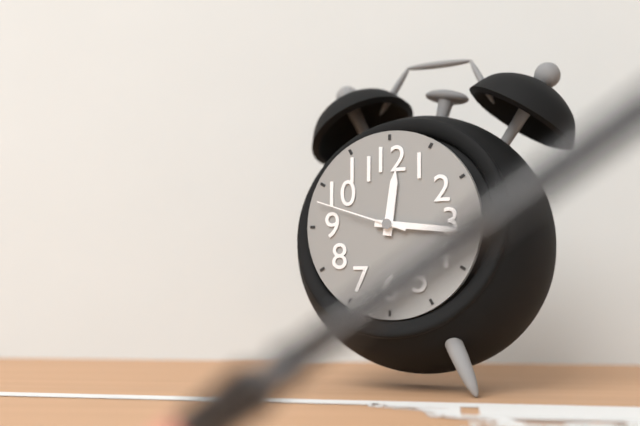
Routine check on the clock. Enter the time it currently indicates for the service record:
12:16:48
